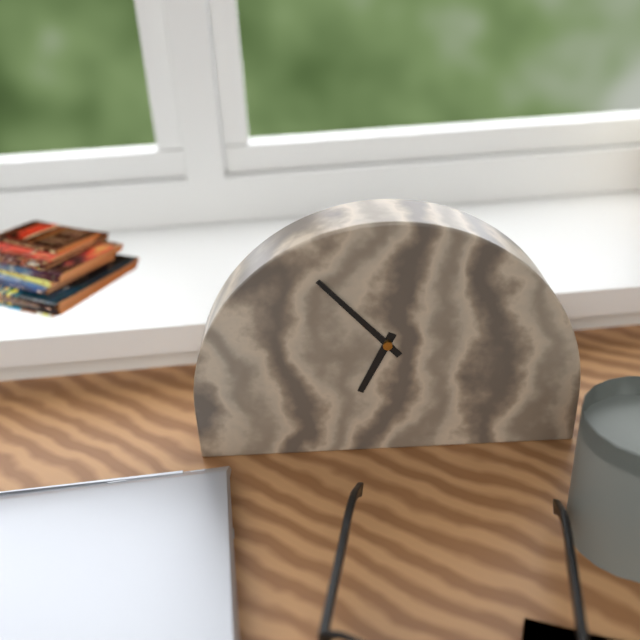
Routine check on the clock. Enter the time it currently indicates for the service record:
6:53
